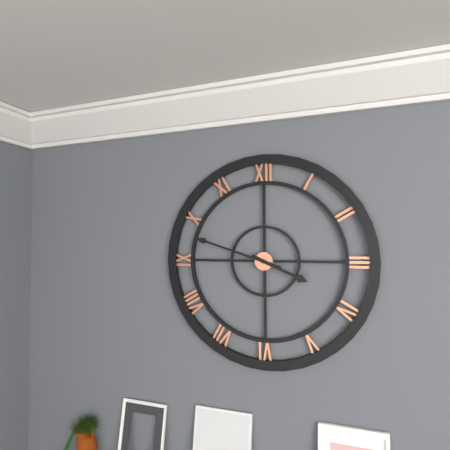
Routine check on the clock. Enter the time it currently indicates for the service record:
3:48
